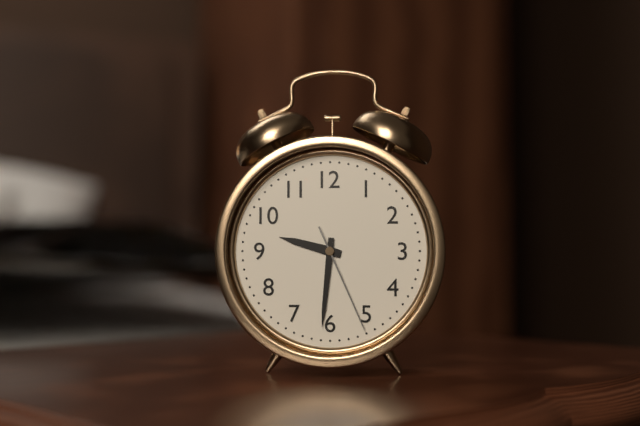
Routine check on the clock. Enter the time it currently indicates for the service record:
9:31:26
